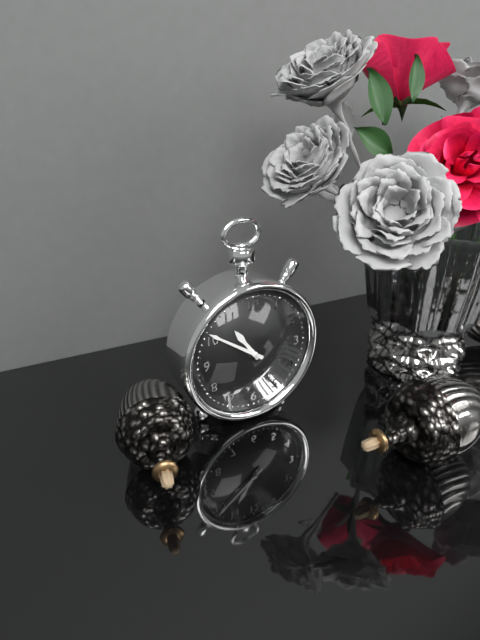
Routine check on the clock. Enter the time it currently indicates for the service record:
10:51
